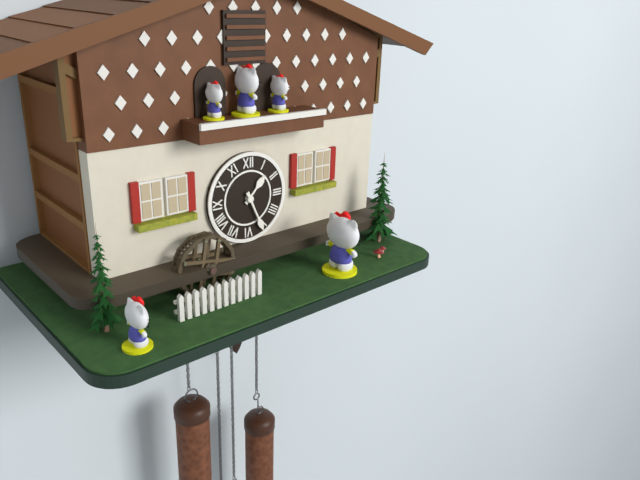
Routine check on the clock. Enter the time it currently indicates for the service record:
1:26
